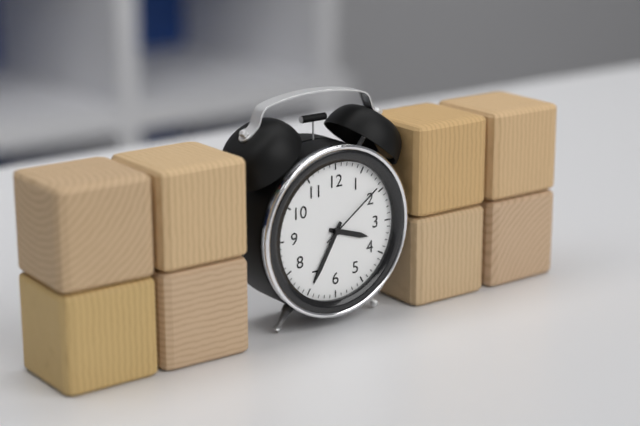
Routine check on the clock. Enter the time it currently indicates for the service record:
3:35:09
